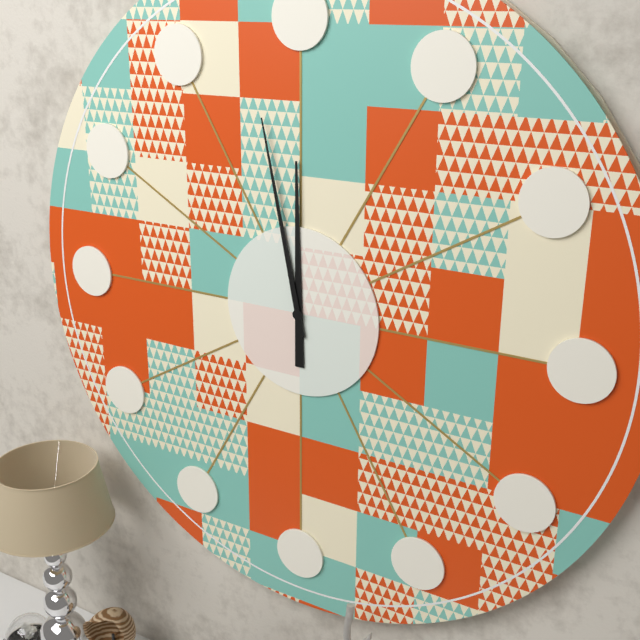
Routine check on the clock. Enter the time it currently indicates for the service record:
11:58
